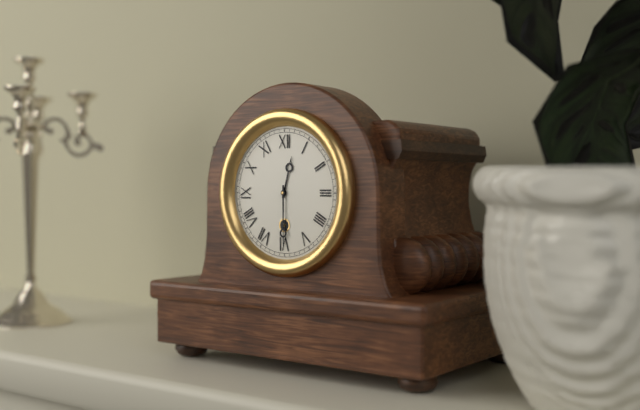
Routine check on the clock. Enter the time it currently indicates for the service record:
12:30
